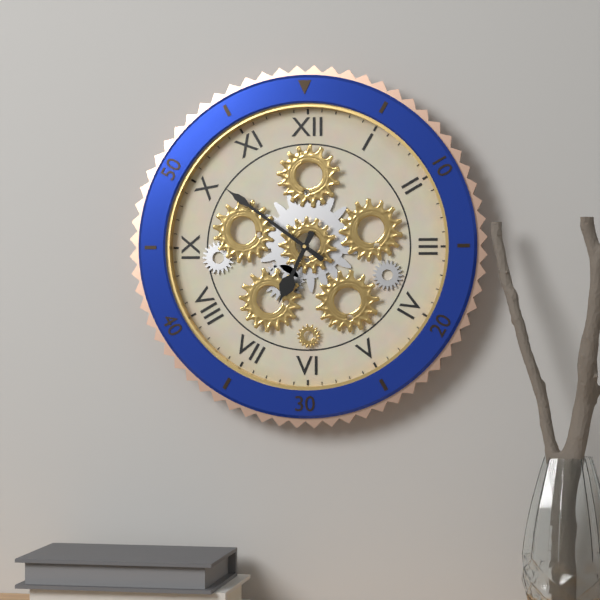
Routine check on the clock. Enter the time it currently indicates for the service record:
6:51
